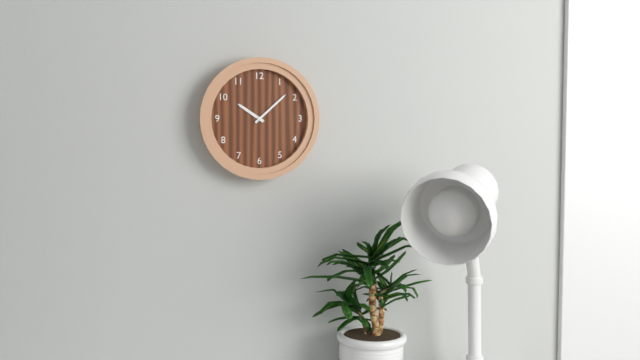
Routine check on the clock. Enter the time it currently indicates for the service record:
10:08
